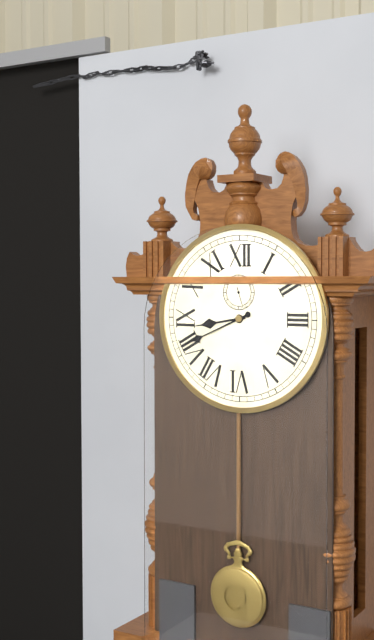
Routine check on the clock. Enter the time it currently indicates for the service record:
8:41
